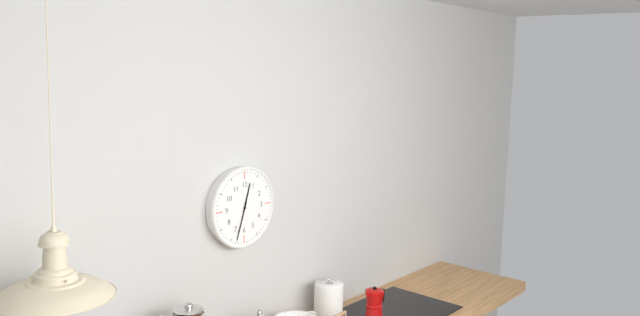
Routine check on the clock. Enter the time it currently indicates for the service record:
12:33
